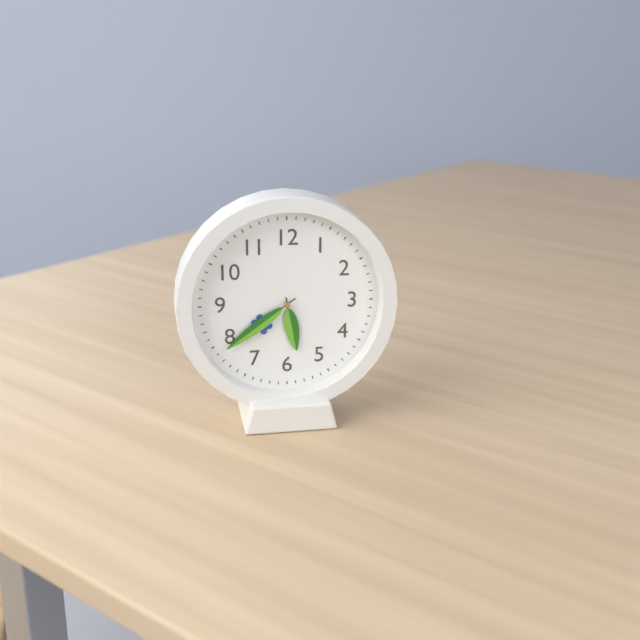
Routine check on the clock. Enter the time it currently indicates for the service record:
5:39
